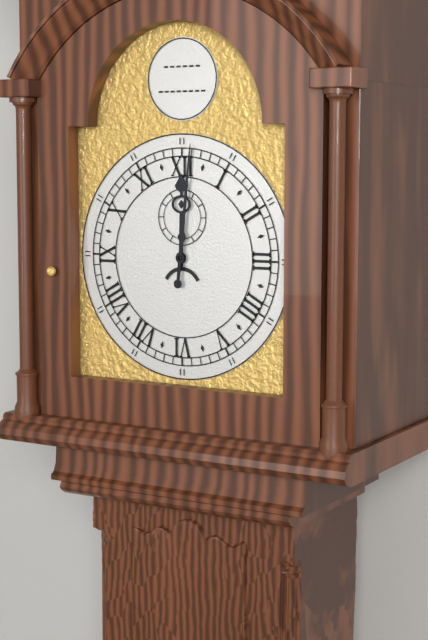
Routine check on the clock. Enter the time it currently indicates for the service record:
12:01
